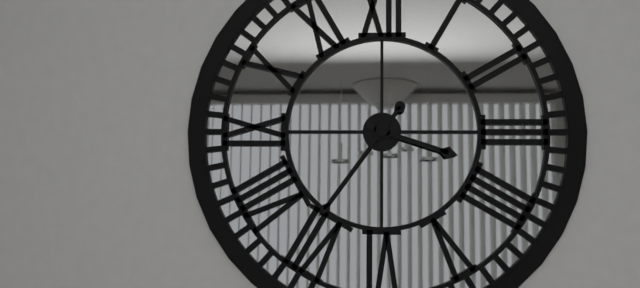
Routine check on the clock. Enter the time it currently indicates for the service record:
3:36
